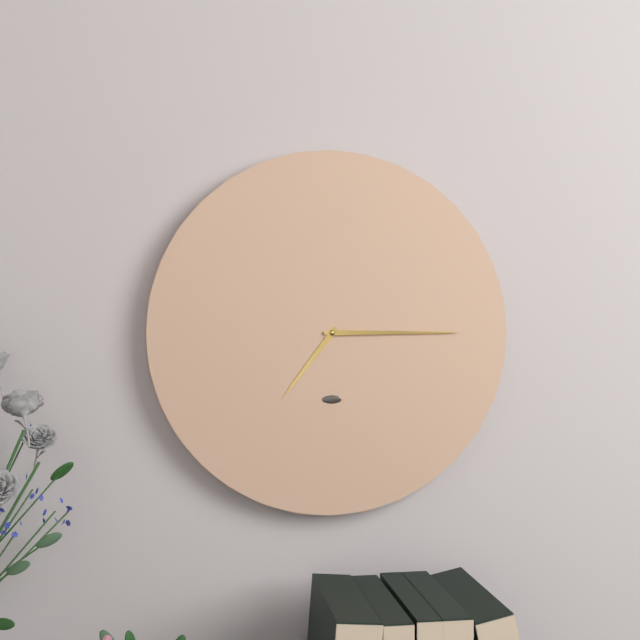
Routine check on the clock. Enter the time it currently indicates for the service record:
7:15
